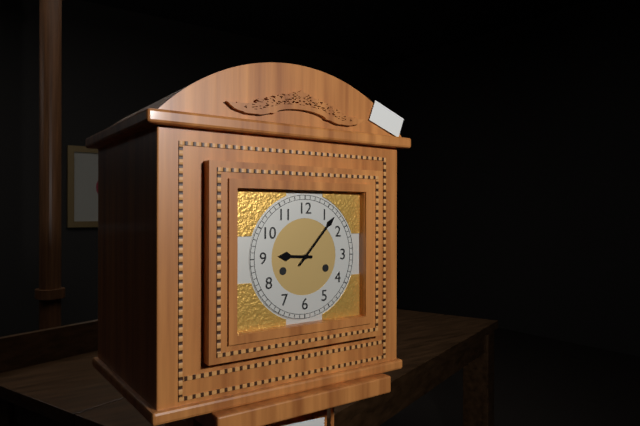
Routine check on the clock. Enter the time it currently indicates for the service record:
9:07
